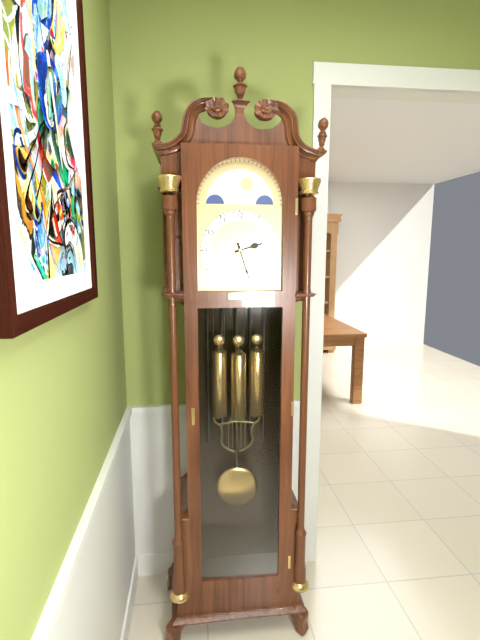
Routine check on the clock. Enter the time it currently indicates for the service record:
2:27
